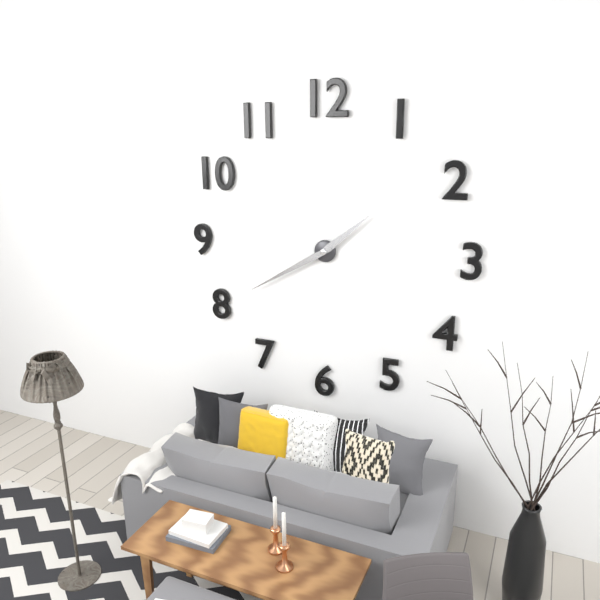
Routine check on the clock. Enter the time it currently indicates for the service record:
1:40
